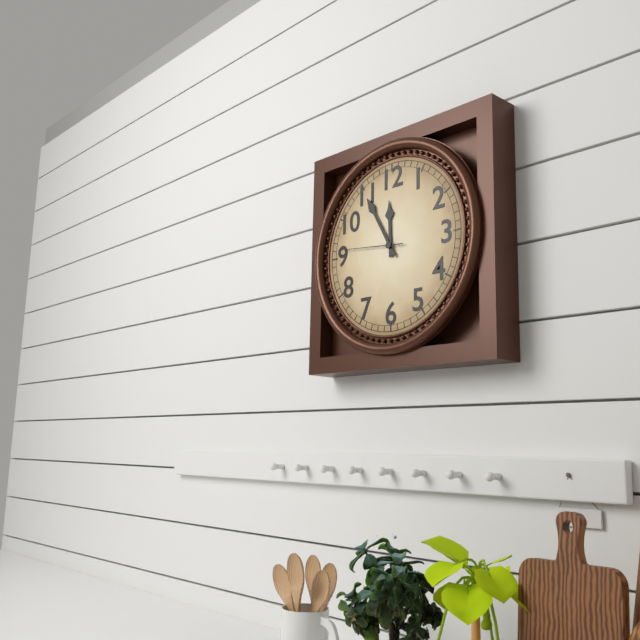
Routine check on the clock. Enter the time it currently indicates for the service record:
11:55:46
